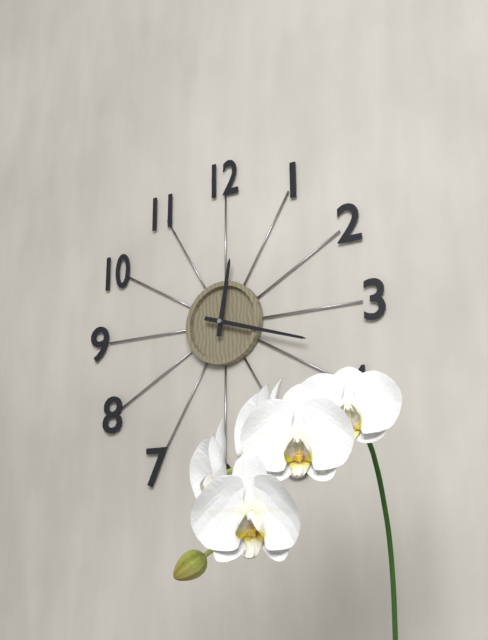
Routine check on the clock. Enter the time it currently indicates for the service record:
12:18
